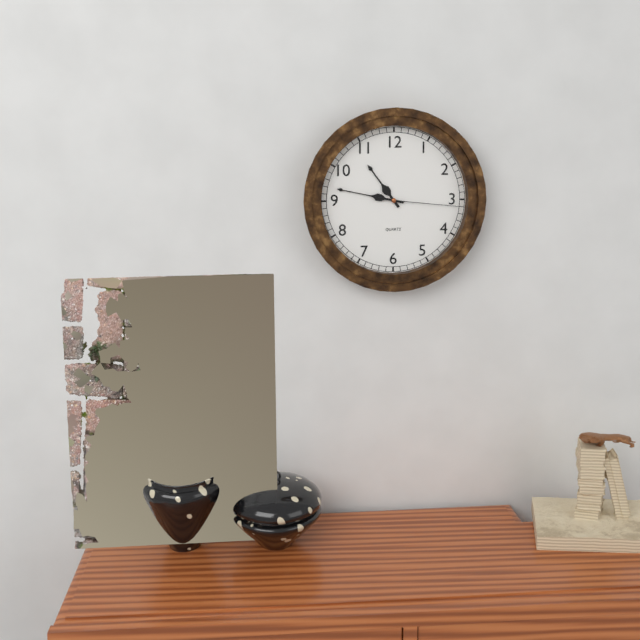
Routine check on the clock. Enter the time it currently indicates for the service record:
10:47:16
